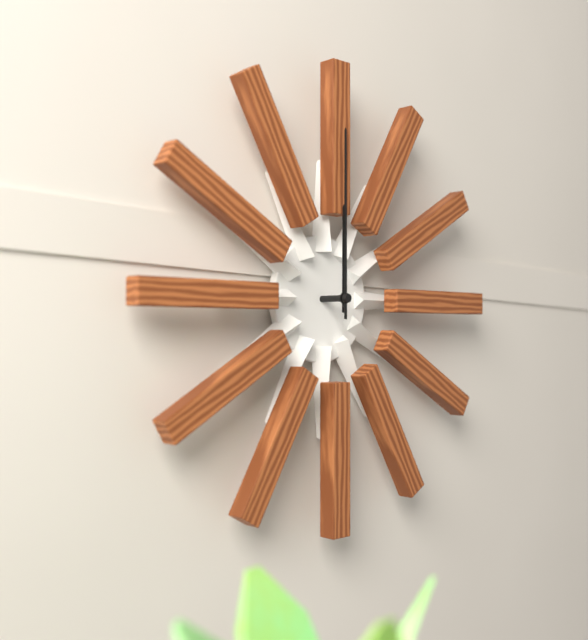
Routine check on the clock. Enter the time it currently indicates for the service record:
12:00
